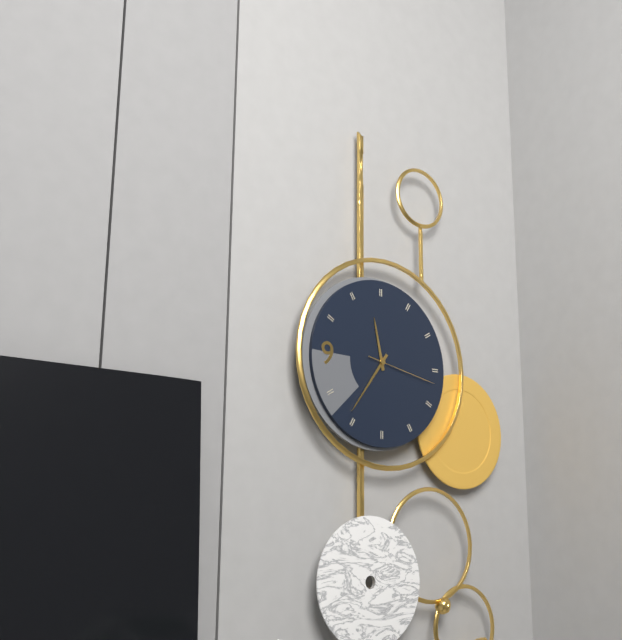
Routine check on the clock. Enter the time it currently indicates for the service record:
11:36:17
